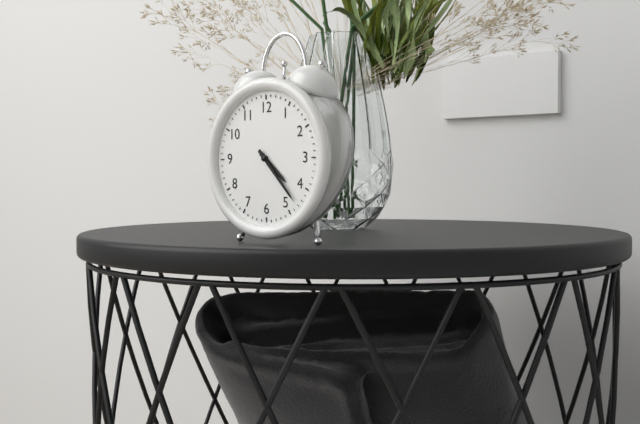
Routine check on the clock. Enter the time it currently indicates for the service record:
4:23
